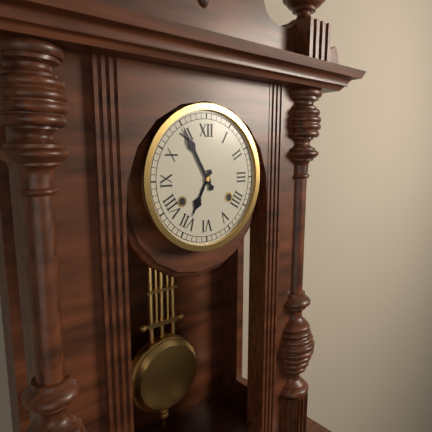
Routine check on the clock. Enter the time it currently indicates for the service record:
6:55
